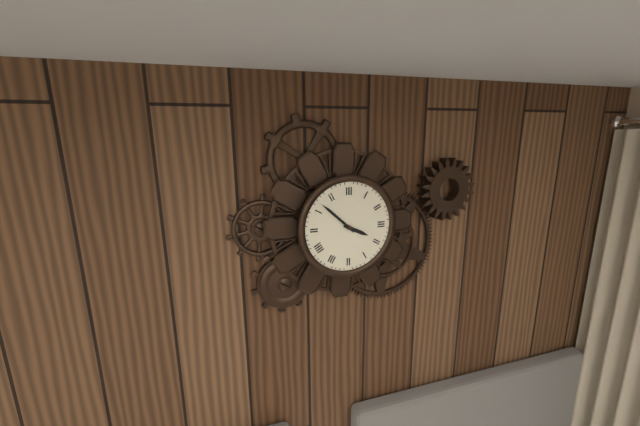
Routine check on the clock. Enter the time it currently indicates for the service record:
3:52
